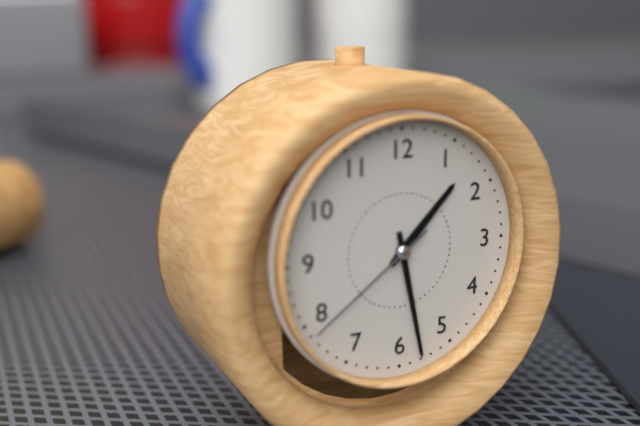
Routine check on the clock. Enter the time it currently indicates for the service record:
1:28:39
